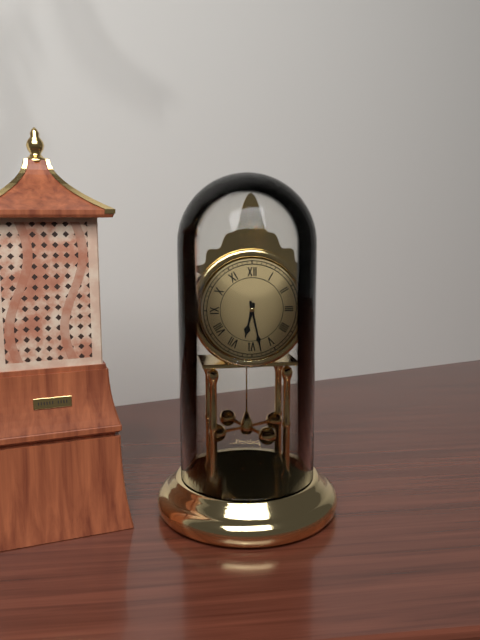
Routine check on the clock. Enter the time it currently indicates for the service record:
6:28
